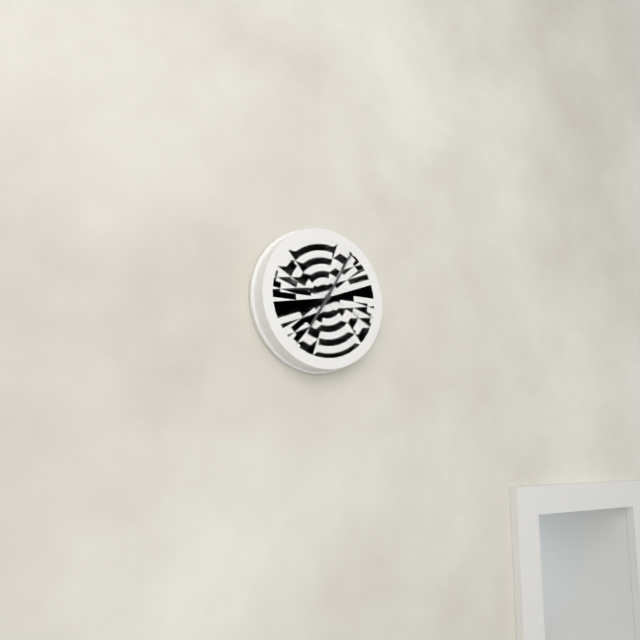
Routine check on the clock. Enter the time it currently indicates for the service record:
7:05
